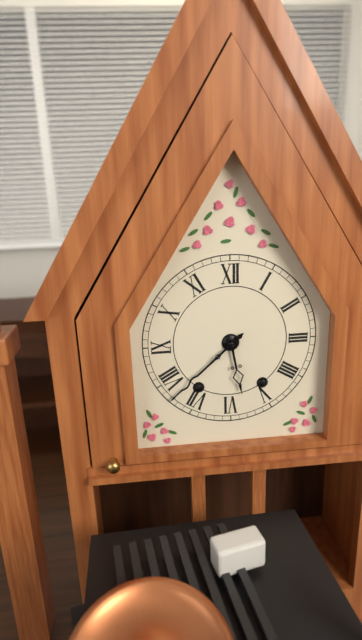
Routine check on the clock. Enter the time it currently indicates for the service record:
5:38
